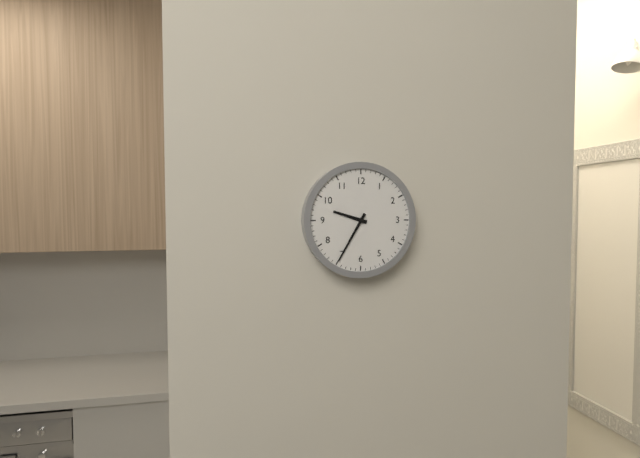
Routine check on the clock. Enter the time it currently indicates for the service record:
9:35
